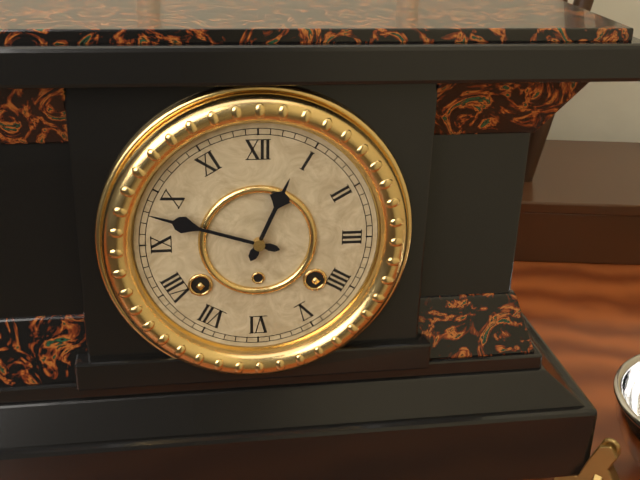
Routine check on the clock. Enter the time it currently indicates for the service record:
12:48
